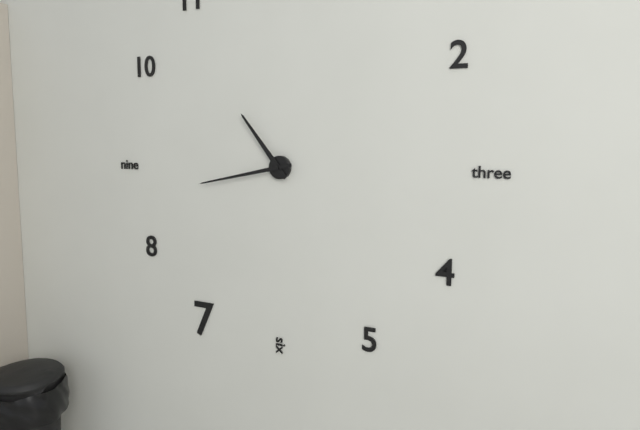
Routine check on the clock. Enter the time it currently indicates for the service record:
10:43
